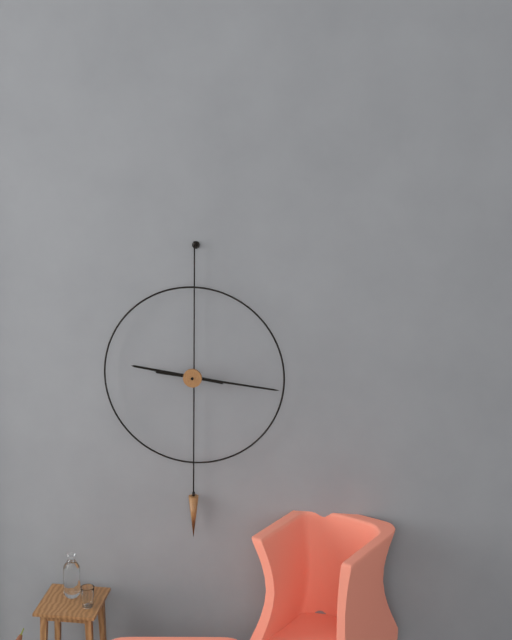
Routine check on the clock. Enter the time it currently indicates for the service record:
9:16
